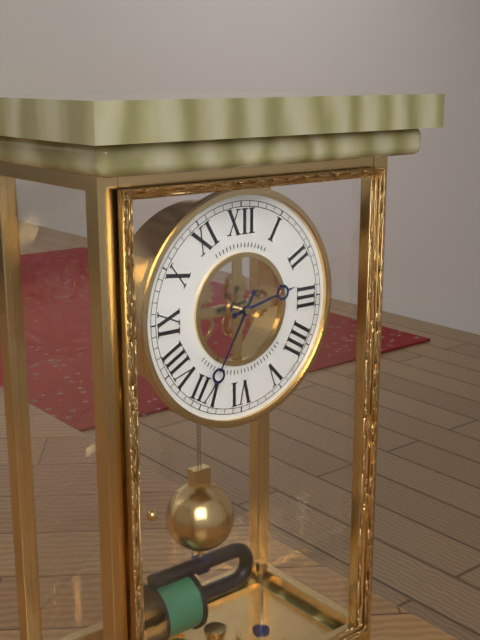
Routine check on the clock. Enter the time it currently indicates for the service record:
2:35
